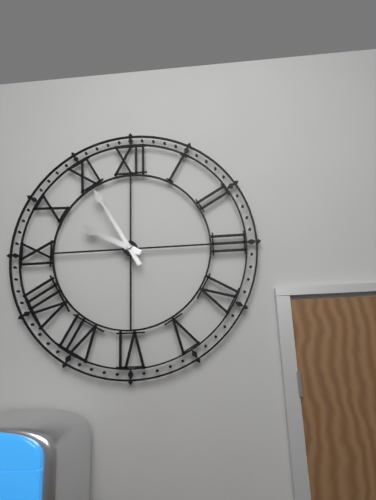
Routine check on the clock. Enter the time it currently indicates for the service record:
9:55
